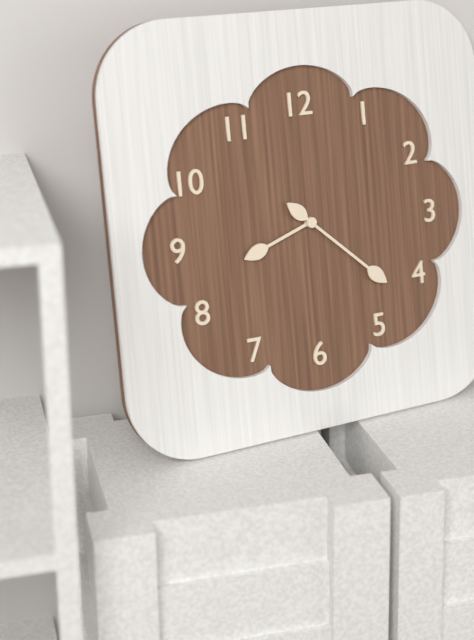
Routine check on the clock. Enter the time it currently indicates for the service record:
8:22
